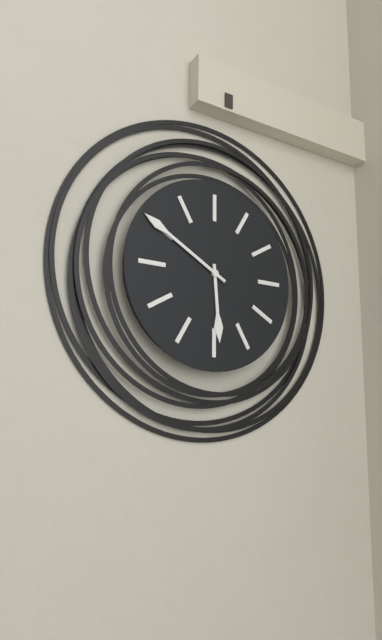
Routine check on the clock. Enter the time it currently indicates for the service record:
5:50
